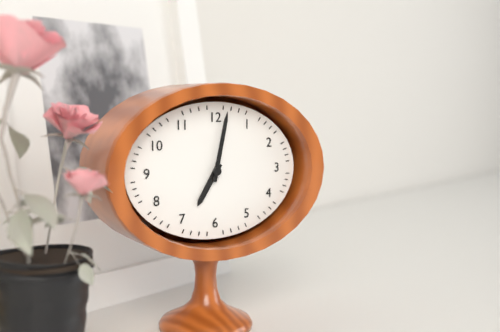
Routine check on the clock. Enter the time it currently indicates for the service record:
7:02
